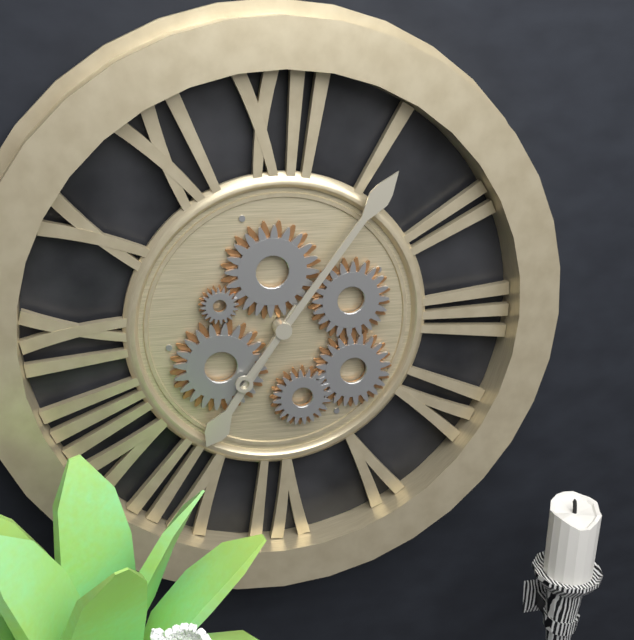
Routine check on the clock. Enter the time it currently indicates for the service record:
7:06
